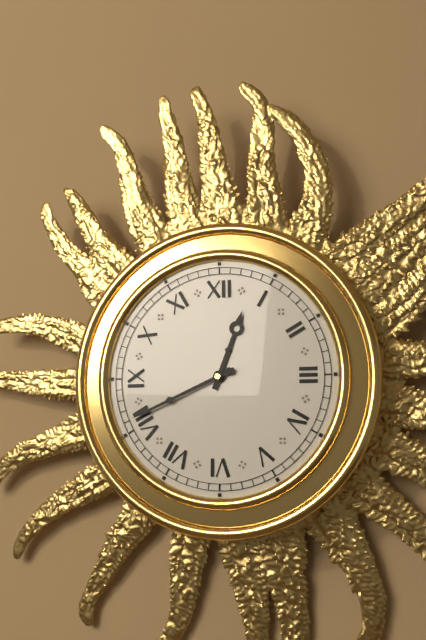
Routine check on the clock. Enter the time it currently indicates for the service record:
12:41
